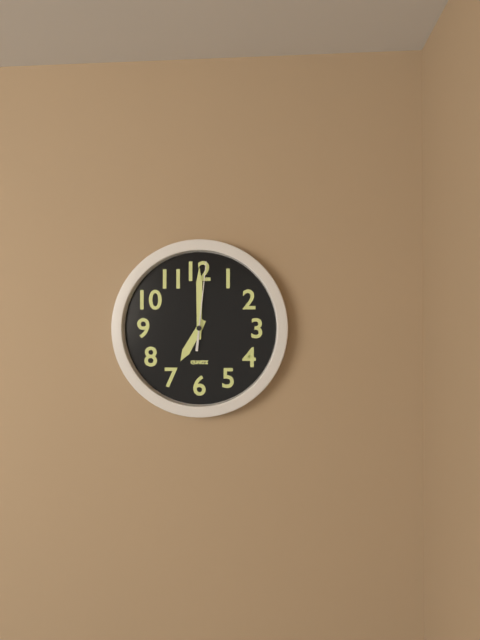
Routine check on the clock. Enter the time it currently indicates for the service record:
7:00:01
